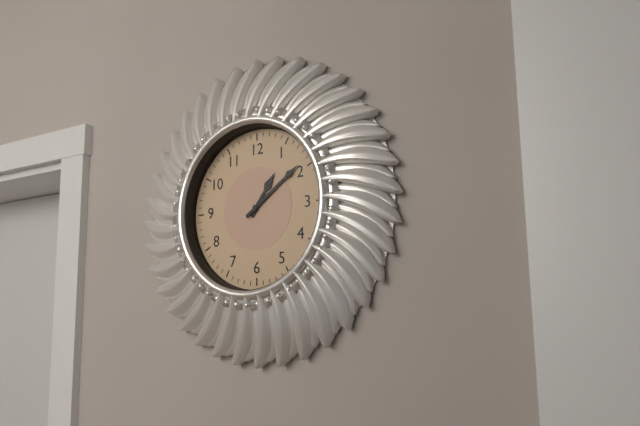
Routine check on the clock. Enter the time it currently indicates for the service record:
1:09
